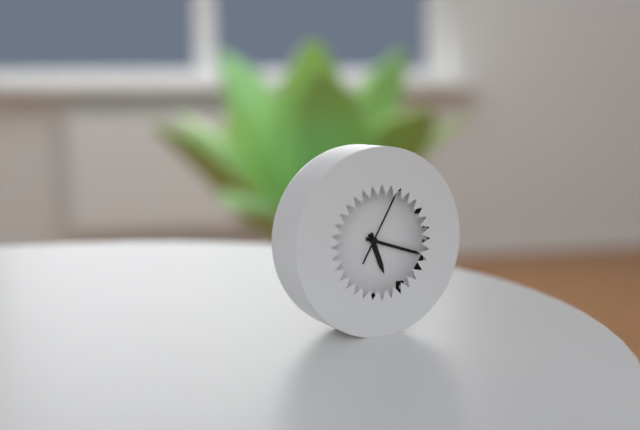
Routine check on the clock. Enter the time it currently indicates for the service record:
5:18:05
